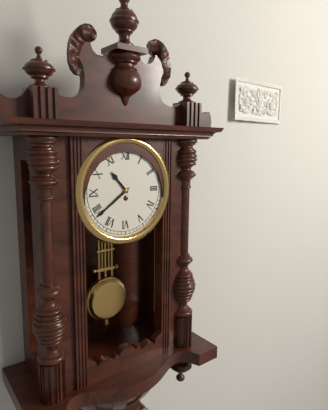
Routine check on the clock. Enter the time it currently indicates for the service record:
10:39
